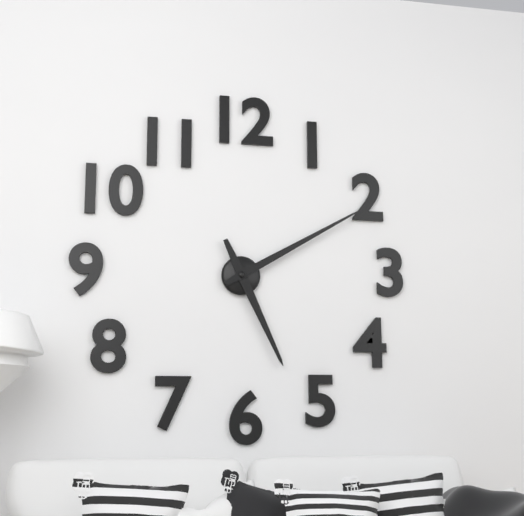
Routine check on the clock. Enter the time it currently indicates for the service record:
5:10
